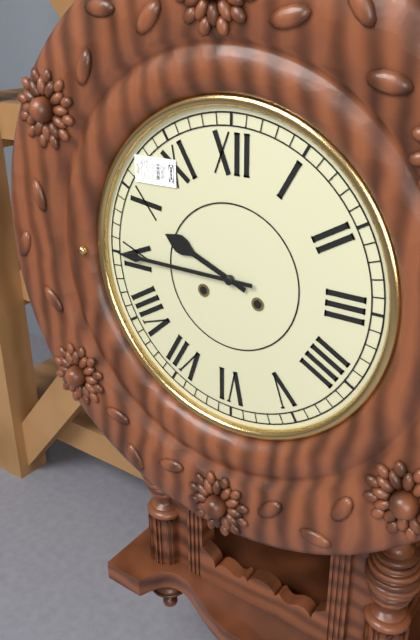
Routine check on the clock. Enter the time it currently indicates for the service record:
9:45
